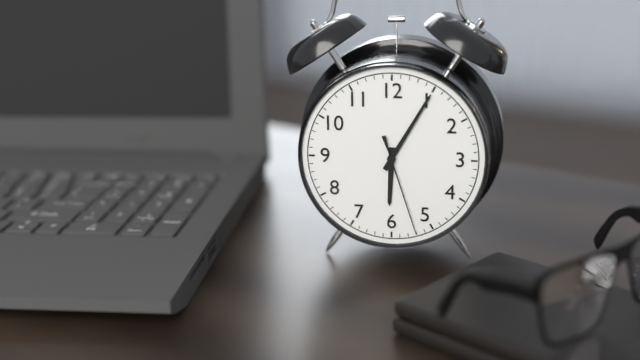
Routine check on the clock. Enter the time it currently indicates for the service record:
6:05:27
